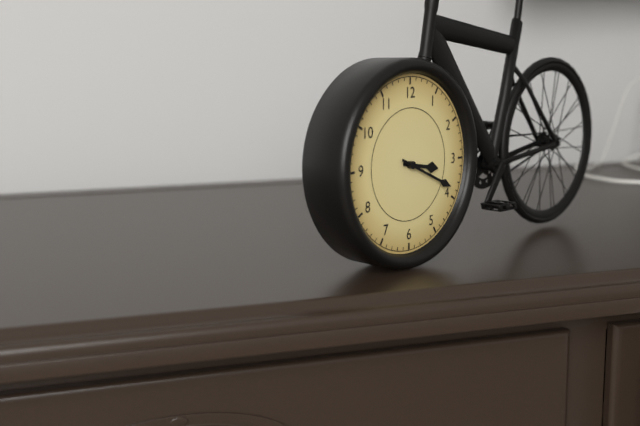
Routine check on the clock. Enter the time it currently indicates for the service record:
3:19
